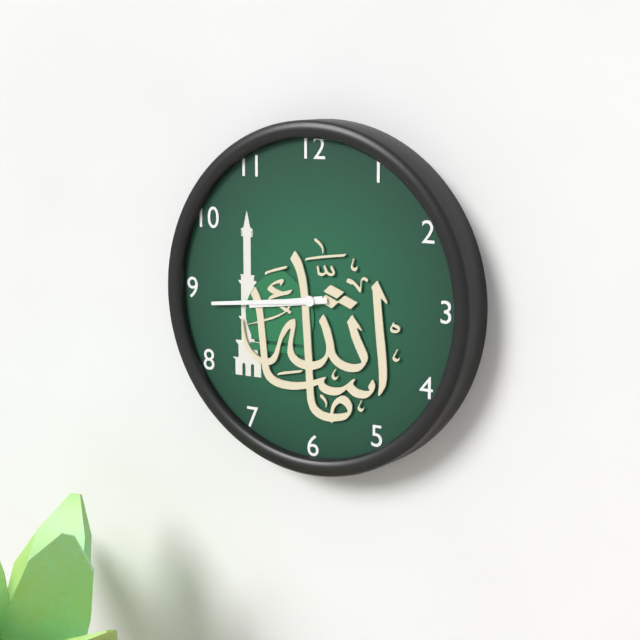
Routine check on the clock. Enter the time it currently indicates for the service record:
8:44
